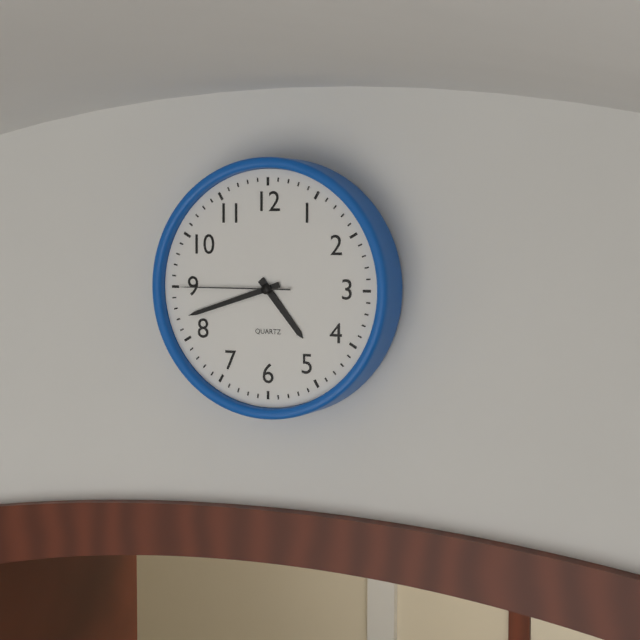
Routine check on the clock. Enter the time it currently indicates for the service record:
4:42:45
